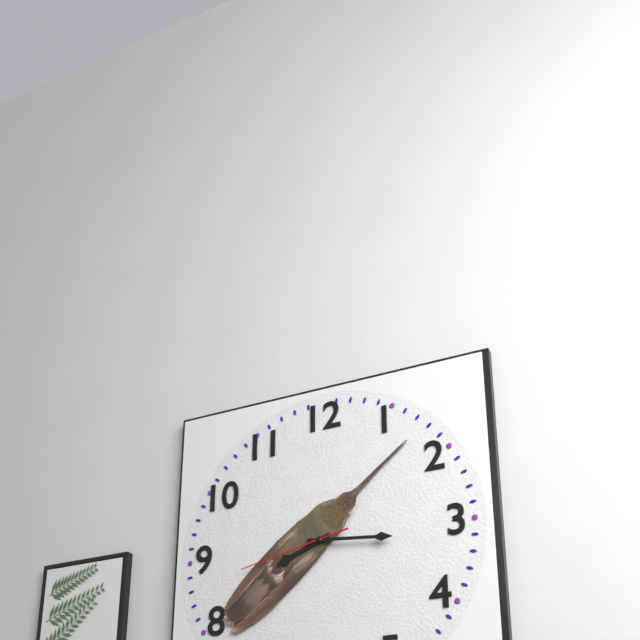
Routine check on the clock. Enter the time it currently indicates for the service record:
8:16:43
